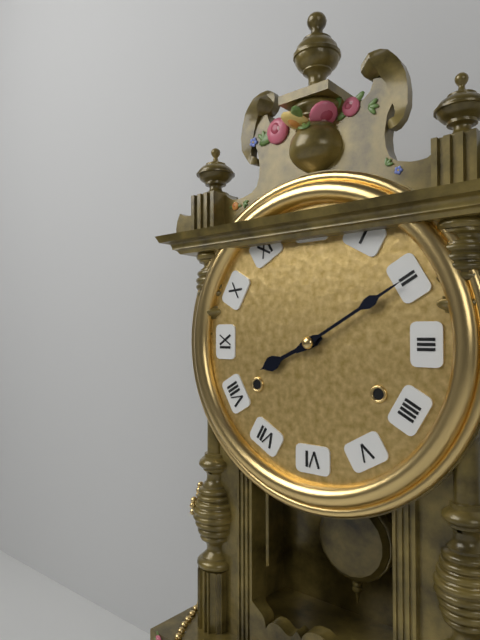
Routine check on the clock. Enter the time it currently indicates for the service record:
8:10
